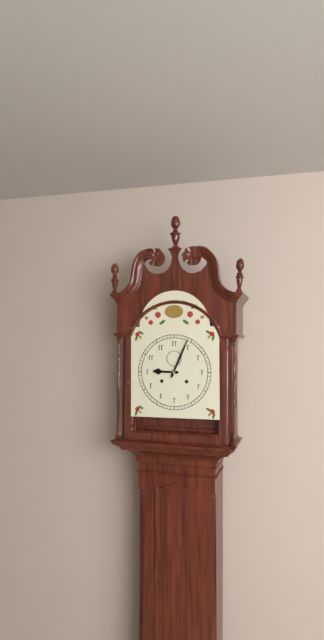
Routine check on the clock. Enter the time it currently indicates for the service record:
9:04
